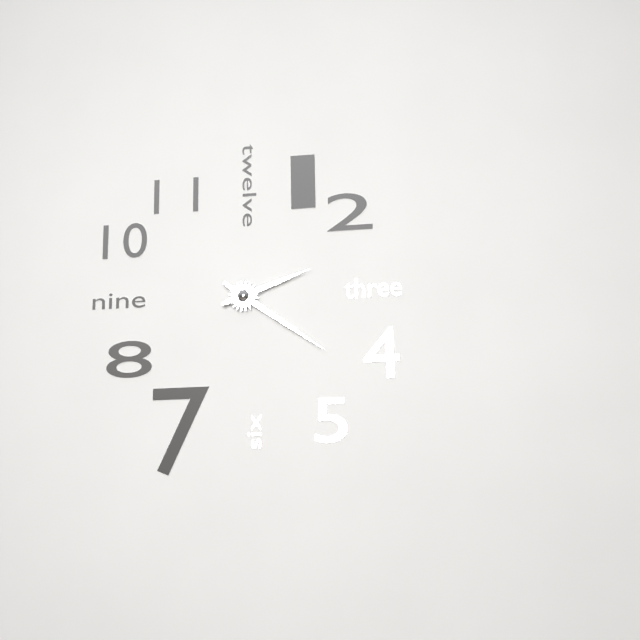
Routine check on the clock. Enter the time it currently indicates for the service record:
2:21
